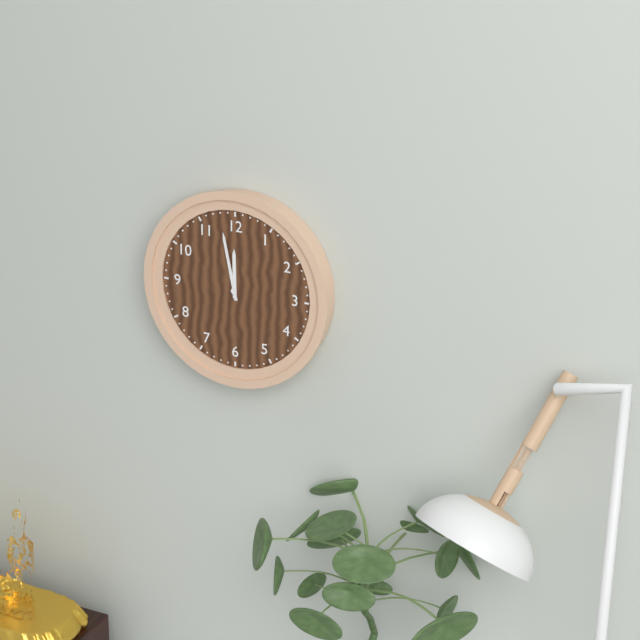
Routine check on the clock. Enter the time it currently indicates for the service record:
11:58
